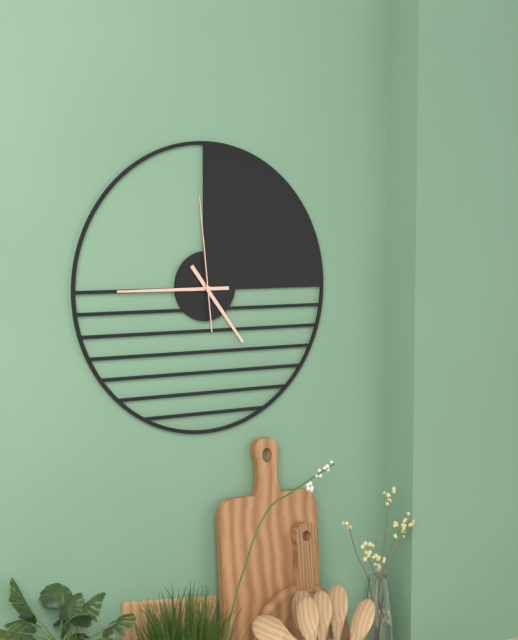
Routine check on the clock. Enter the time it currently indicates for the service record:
4:45:59
